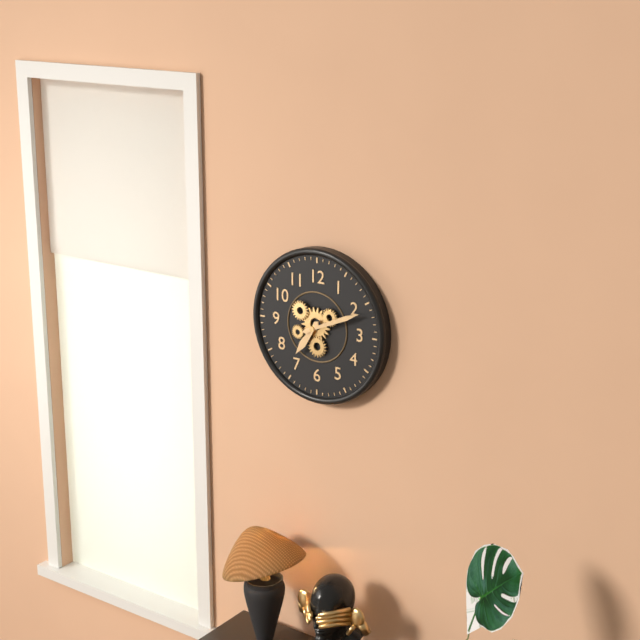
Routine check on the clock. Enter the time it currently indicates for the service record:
7:11
